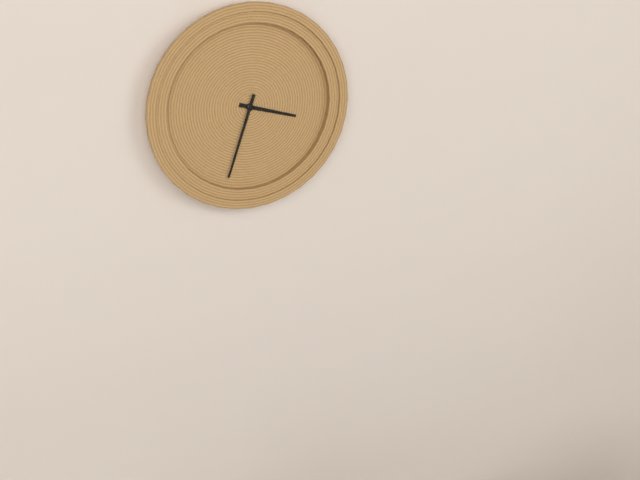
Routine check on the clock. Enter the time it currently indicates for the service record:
3:33
